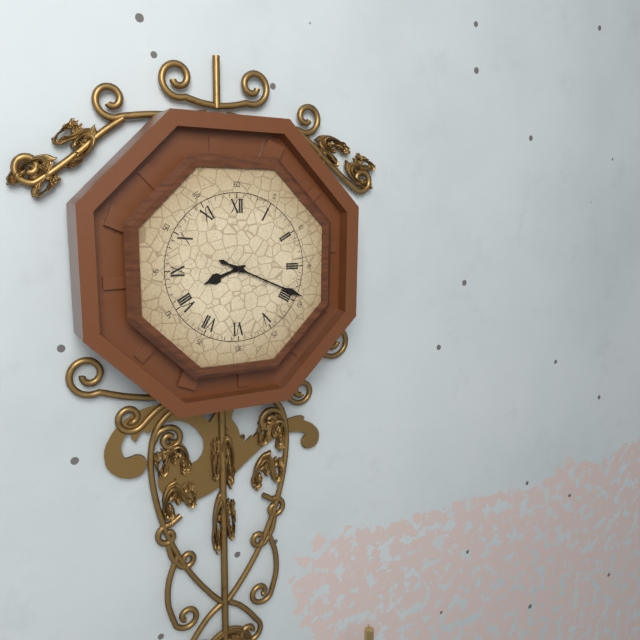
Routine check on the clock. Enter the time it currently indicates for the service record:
8:19
